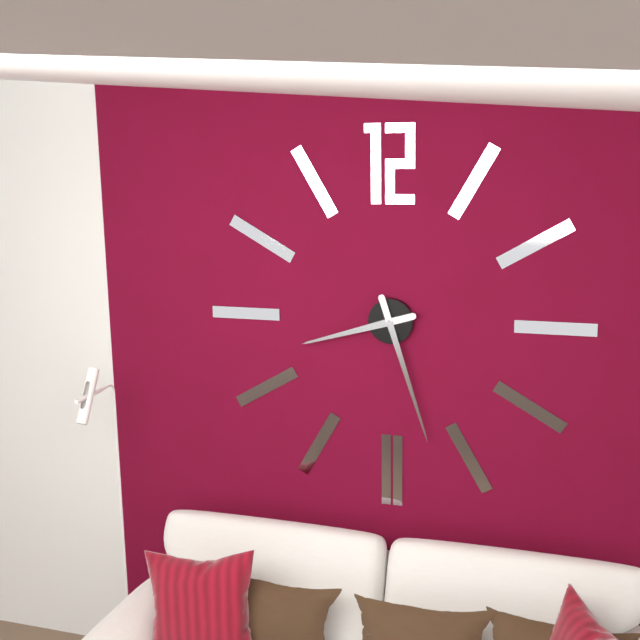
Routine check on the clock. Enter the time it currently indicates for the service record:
8:27
